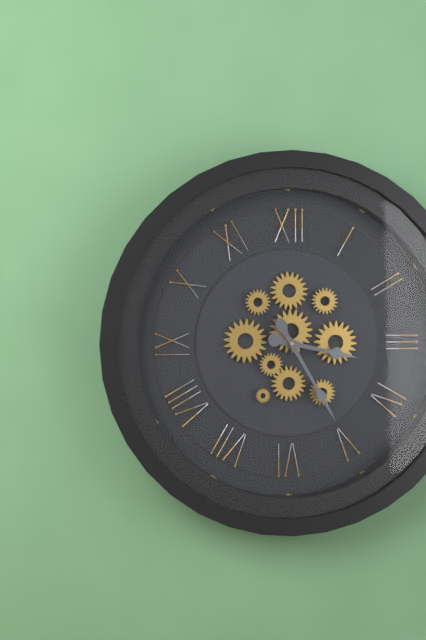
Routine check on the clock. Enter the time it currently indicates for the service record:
3:25
